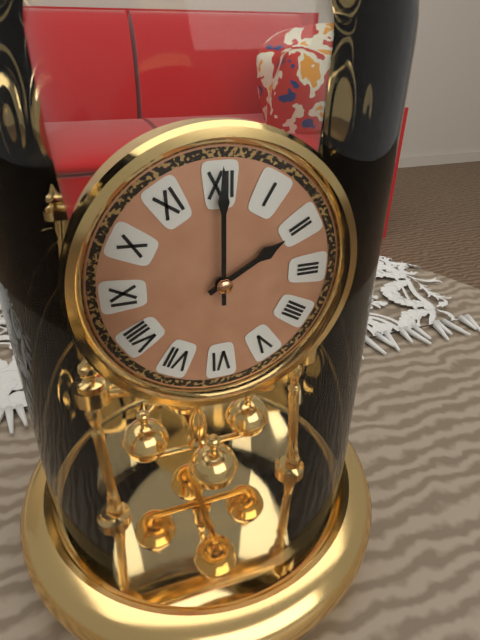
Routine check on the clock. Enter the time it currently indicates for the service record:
2:00
